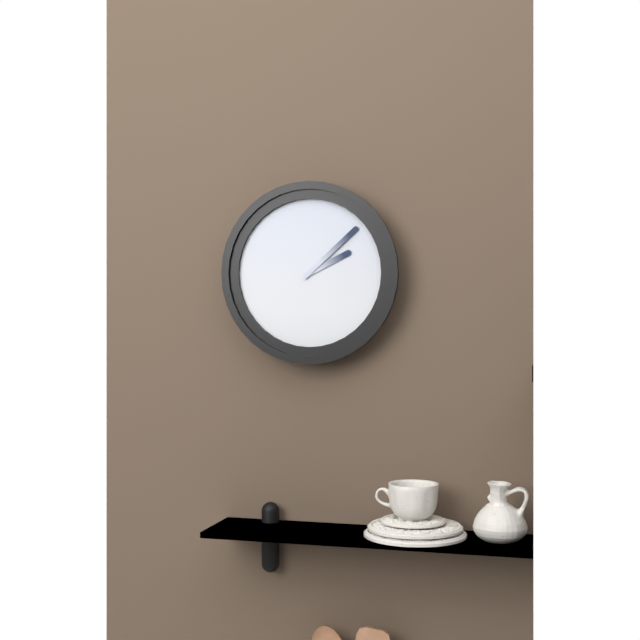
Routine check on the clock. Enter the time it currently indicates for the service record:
2:08
